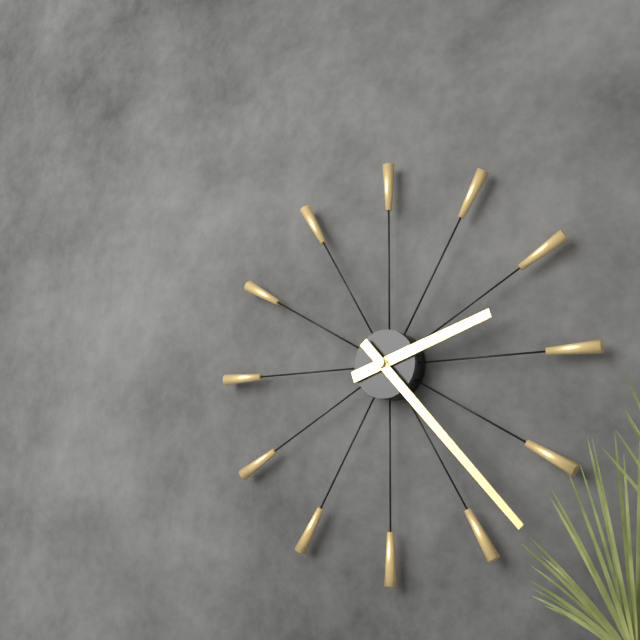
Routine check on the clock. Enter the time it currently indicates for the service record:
2:23
